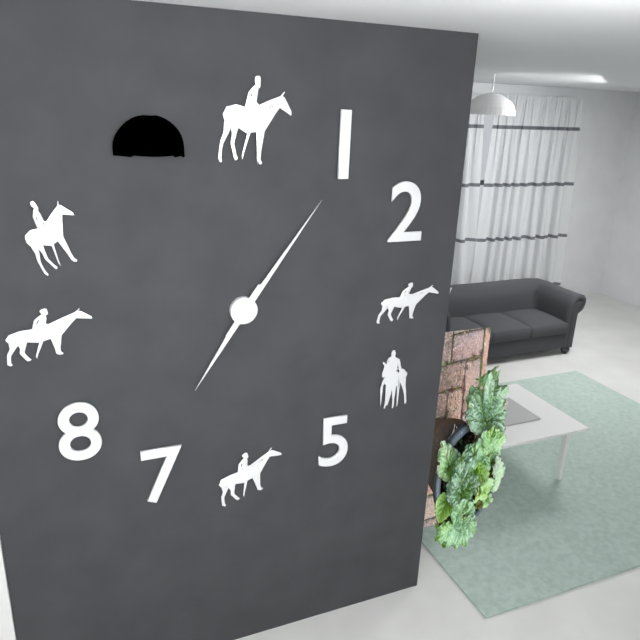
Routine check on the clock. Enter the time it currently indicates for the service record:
7:06
